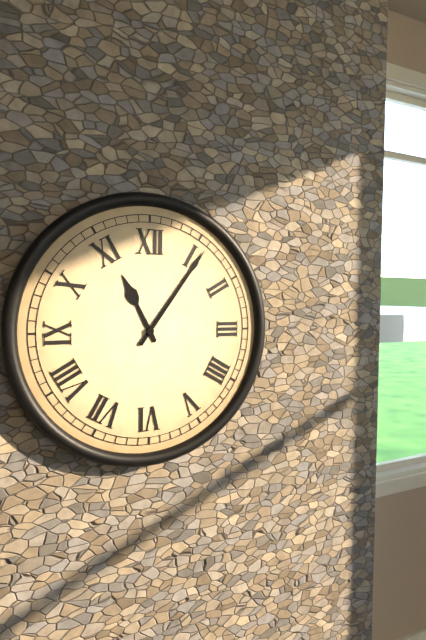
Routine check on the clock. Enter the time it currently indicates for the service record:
11:06
